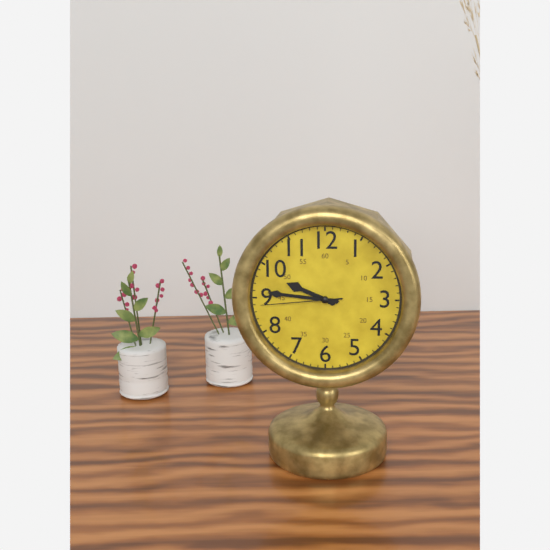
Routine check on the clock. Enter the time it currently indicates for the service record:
9:46:44
